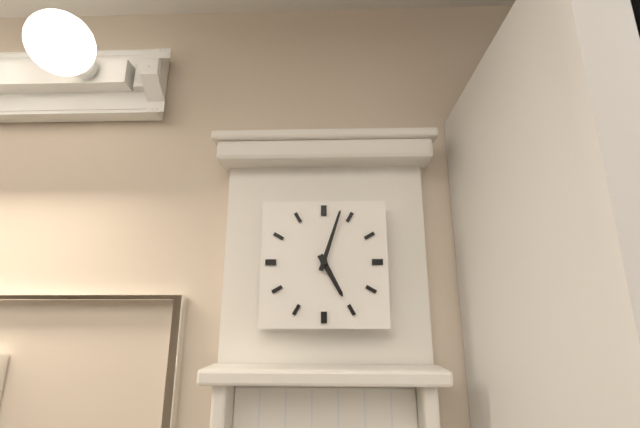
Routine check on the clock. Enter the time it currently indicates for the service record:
5:03
